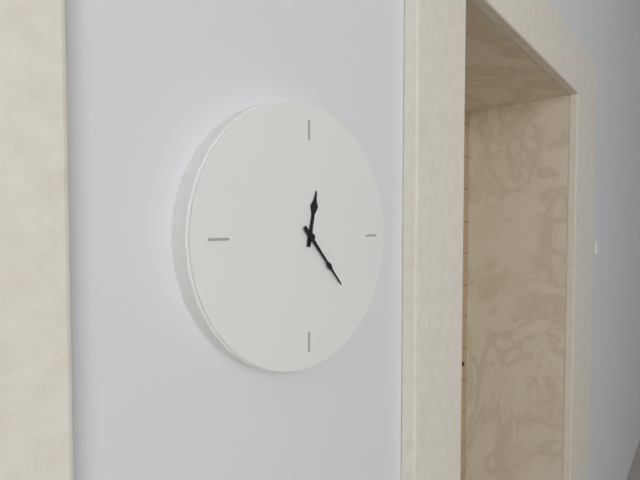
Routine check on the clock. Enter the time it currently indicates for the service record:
12:23
